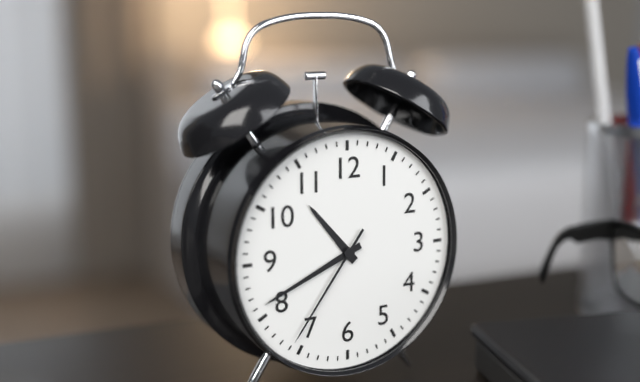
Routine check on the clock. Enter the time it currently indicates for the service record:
10:41:36
